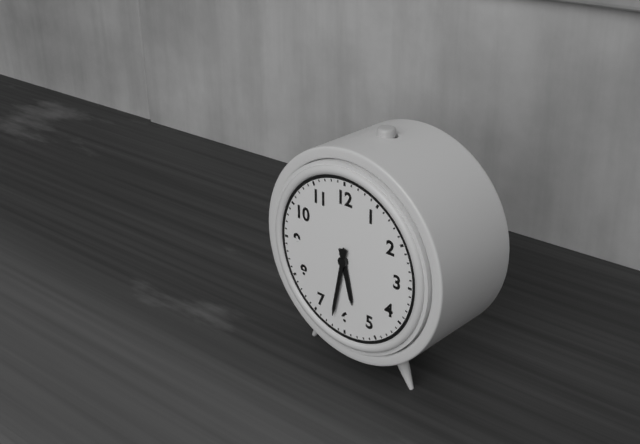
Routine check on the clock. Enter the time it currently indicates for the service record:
5:32
